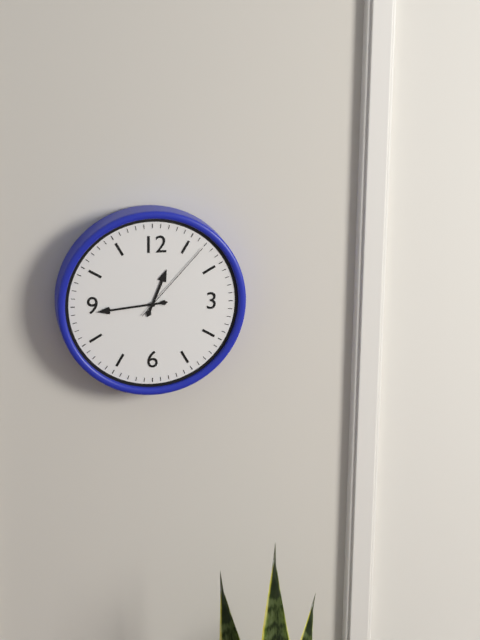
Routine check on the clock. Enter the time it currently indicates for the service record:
12:44:07
